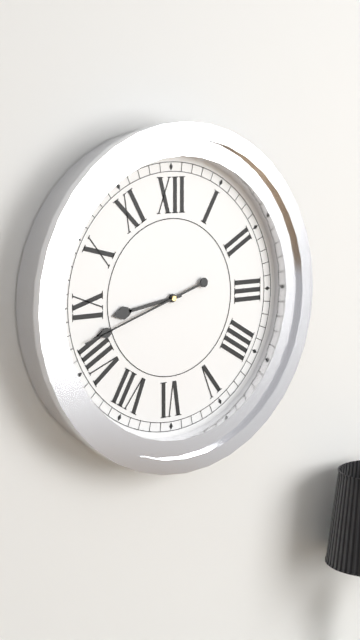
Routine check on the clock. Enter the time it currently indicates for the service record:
8:42
